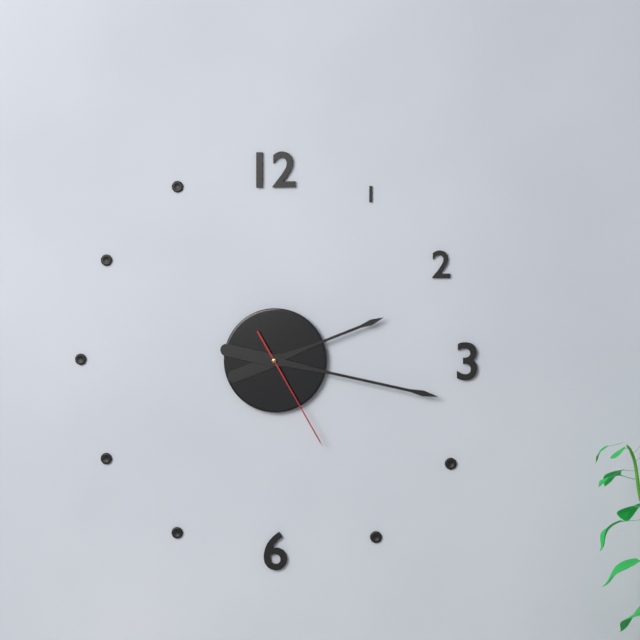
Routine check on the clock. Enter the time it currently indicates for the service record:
2:17:25
